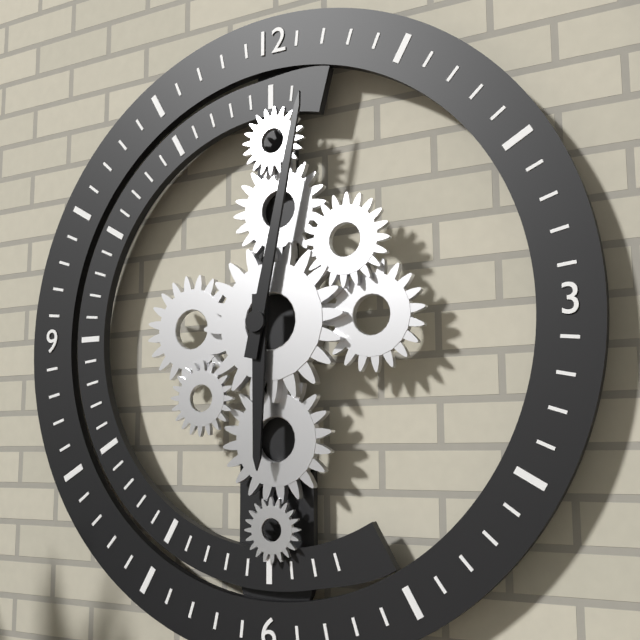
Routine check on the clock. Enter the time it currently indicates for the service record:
6:02
